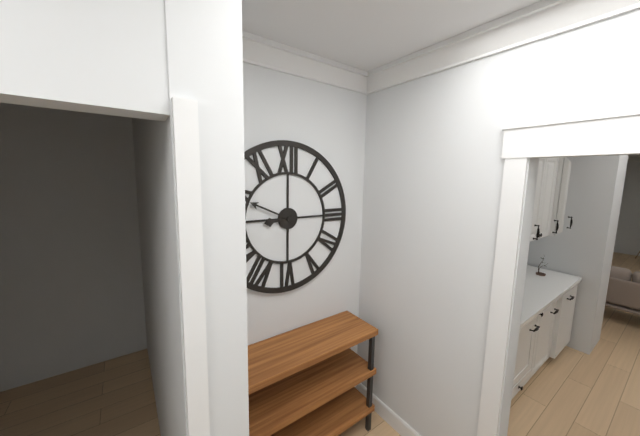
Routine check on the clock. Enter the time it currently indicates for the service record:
8:49
